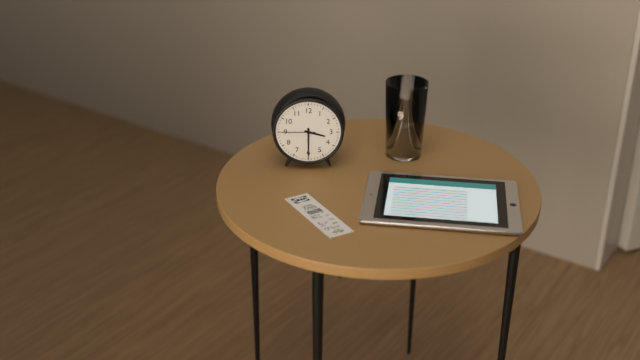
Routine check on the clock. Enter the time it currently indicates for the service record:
3:30
